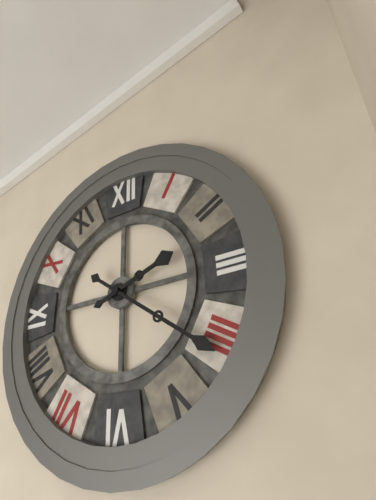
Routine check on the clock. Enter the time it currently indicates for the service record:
2:21
